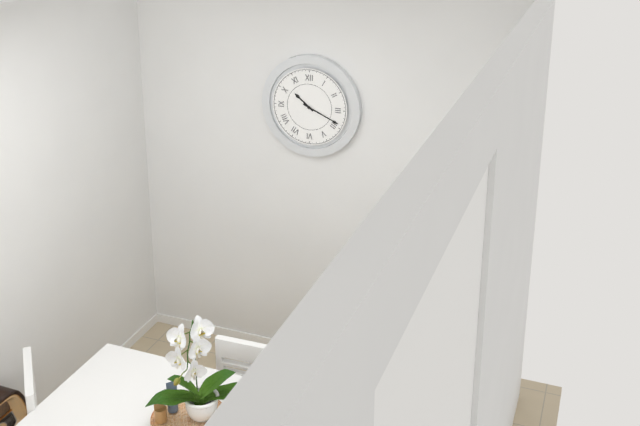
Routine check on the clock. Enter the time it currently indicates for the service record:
10:19
